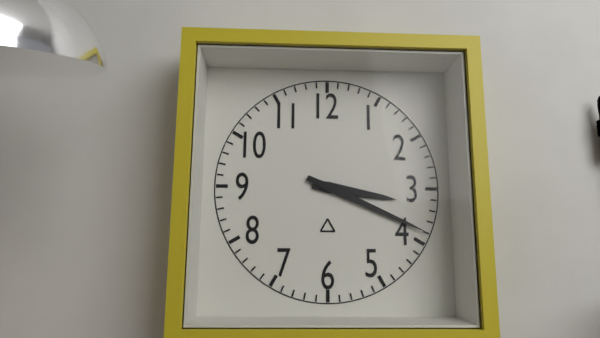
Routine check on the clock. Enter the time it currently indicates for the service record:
3:19
